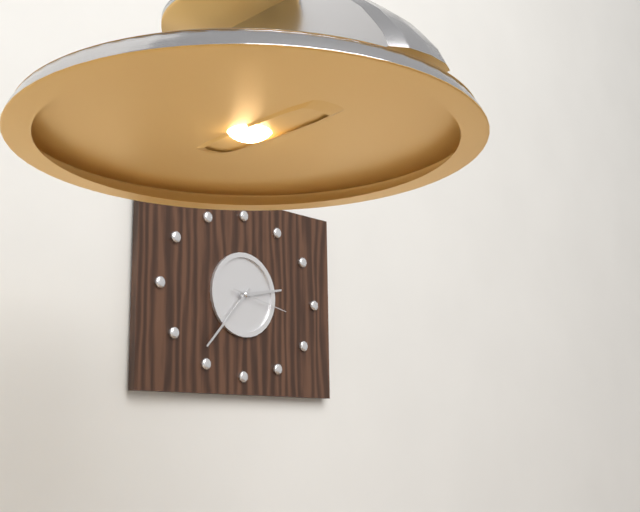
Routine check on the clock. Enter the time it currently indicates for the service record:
2:37:17
